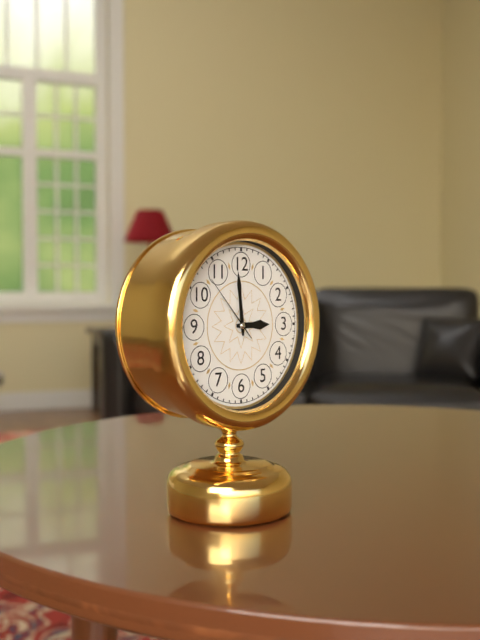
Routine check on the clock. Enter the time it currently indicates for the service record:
2:59:53
